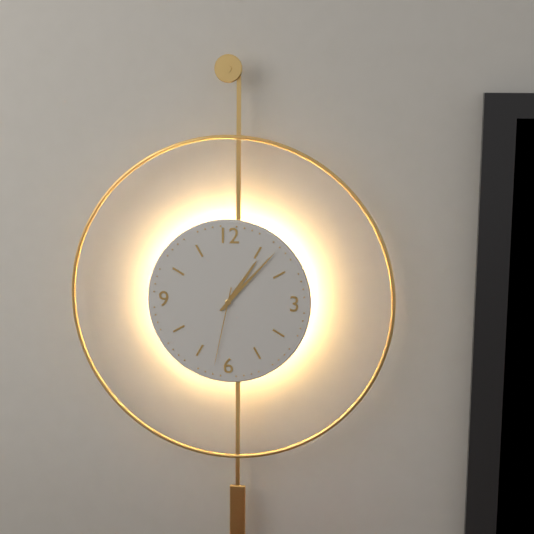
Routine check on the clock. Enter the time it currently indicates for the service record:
1:07:32
